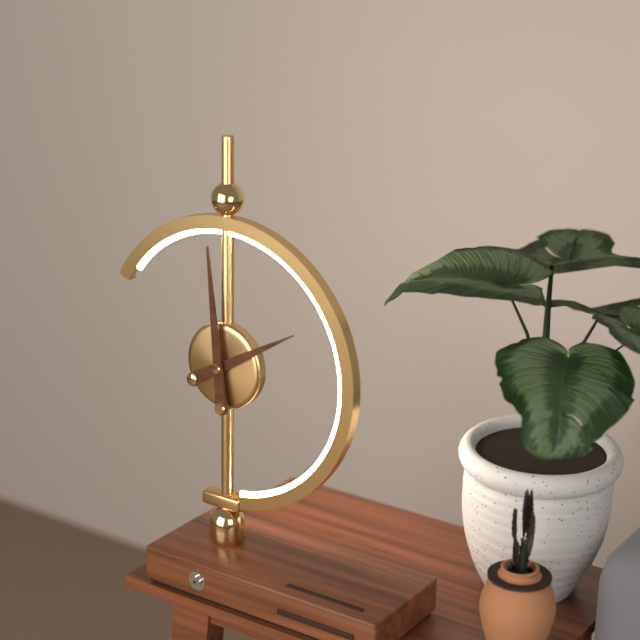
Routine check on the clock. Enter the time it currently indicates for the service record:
1:59
